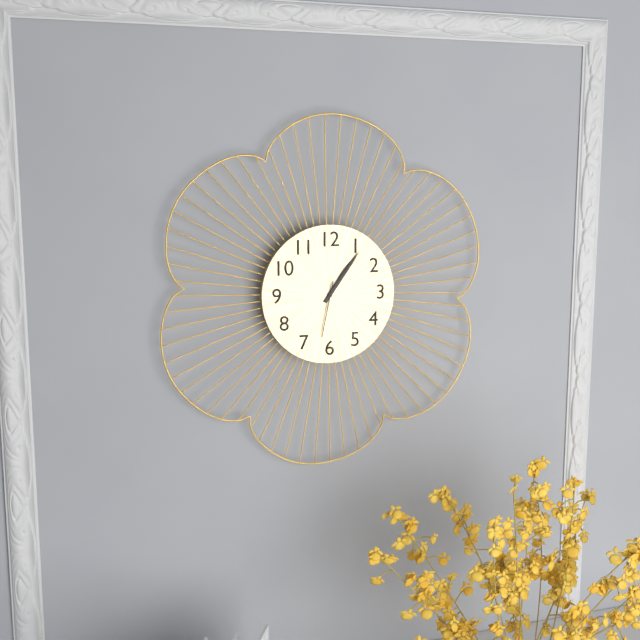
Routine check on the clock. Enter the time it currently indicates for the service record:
1:06:32
